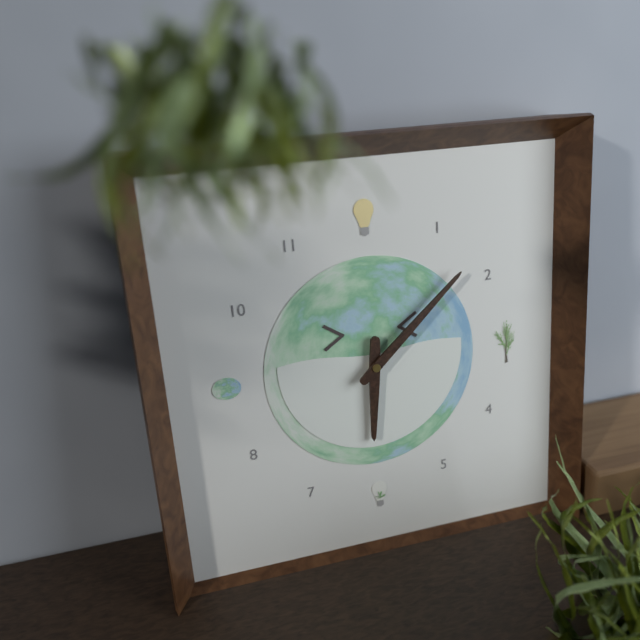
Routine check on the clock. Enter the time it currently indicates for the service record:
6:08
